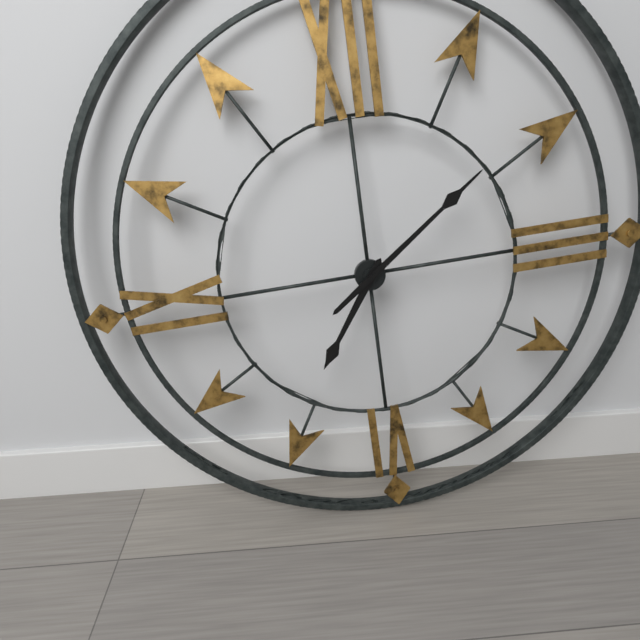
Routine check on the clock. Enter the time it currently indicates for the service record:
7:09
